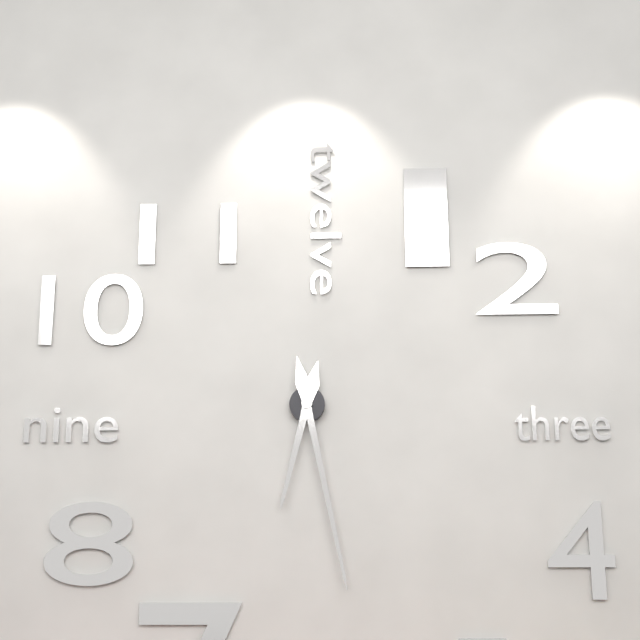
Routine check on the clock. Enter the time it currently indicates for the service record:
6:28
